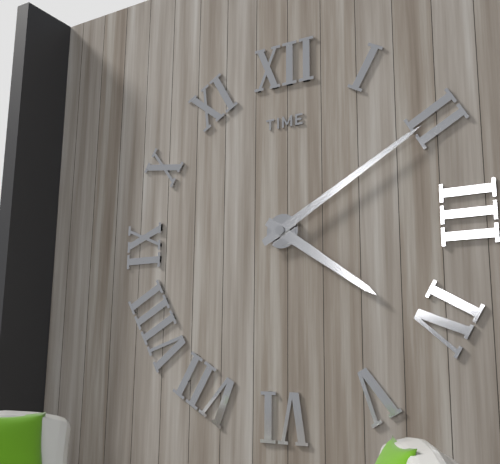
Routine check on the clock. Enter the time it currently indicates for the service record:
4:10
